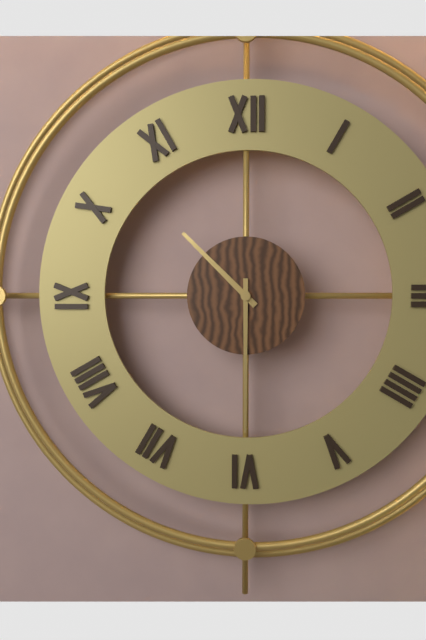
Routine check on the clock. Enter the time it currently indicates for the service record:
10:30
